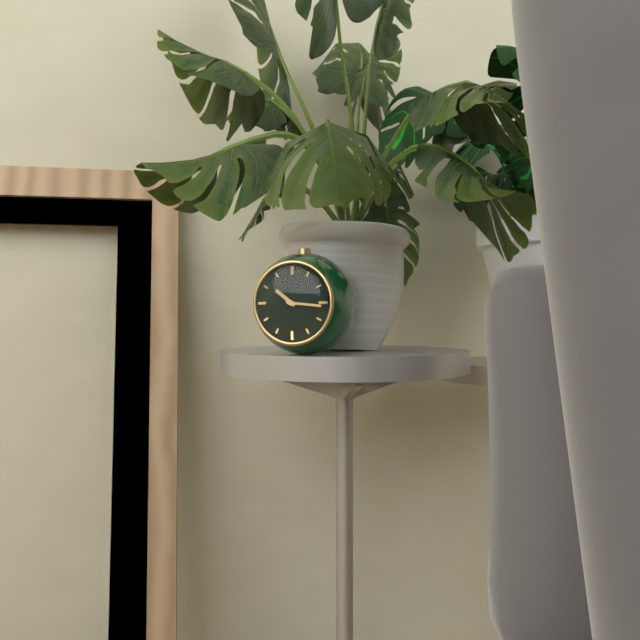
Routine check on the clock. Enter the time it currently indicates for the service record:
10:16
